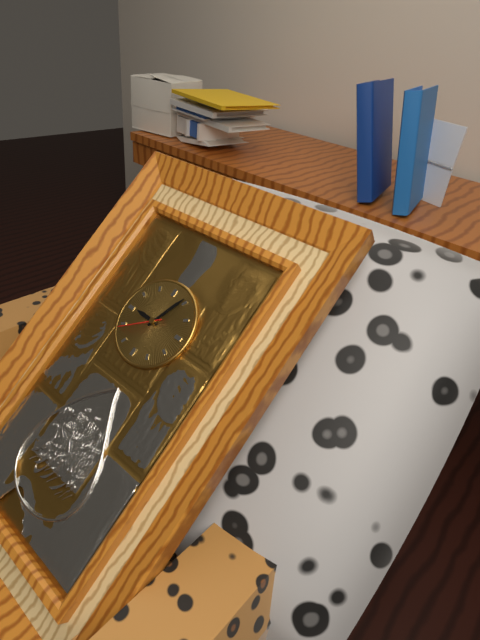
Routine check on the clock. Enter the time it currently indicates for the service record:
9:04:39
